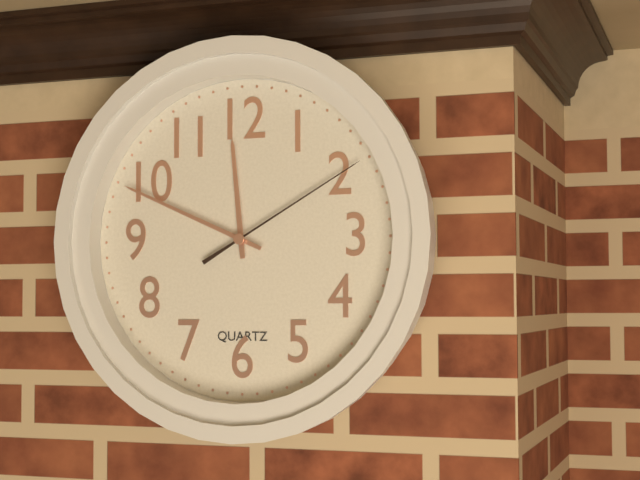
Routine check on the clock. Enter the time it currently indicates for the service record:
11:49:10
